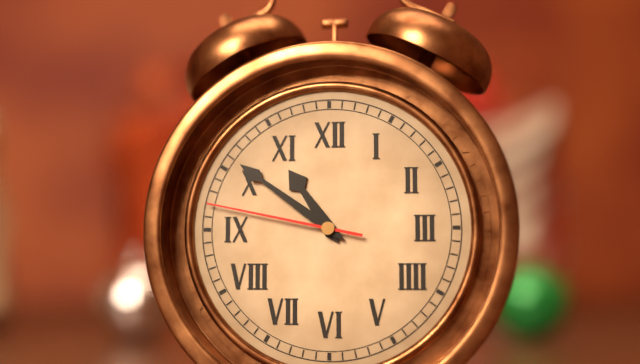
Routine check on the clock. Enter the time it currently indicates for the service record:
10:51:47
